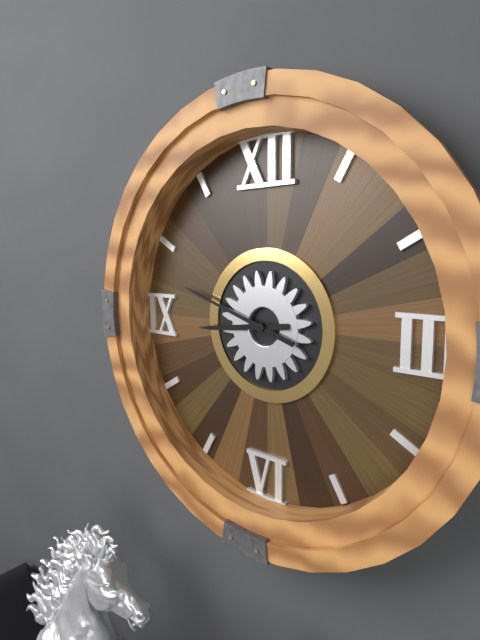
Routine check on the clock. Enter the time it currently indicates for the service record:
8:48
